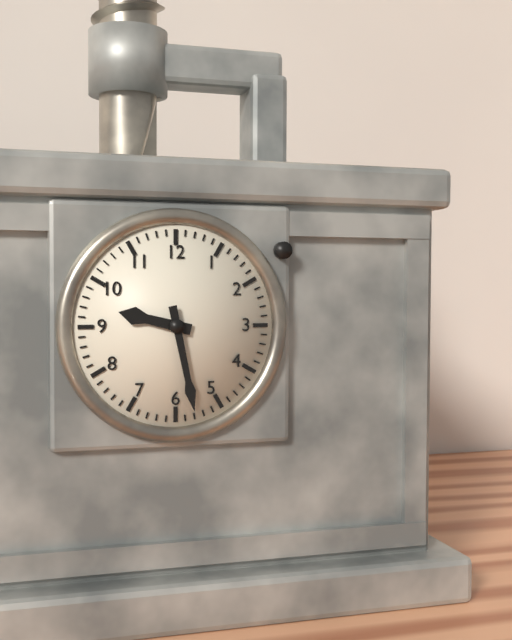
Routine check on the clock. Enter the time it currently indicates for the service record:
9:28
